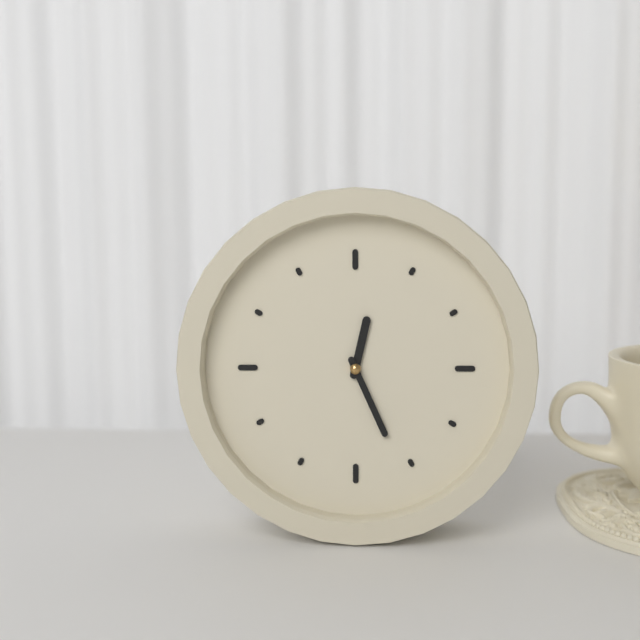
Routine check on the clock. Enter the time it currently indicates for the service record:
12:26
